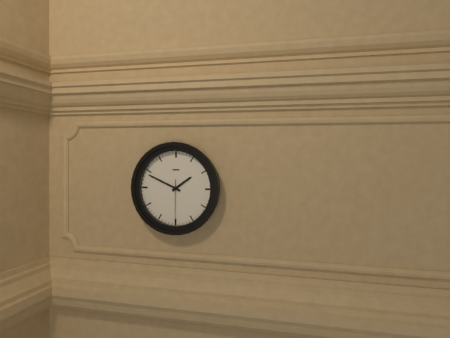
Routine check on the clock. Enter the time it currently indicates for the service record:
1:49
